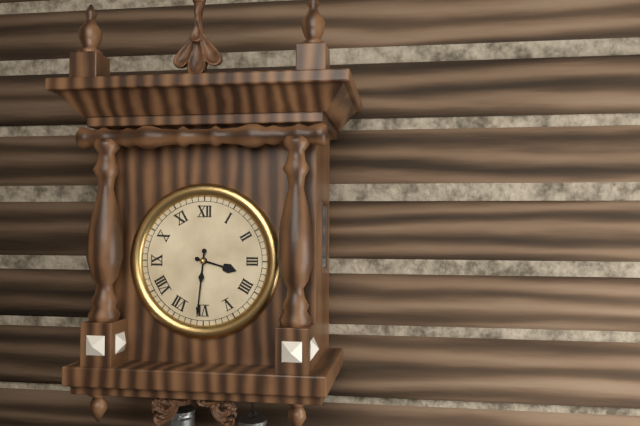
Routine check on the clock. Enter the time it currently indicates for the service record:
3:31
